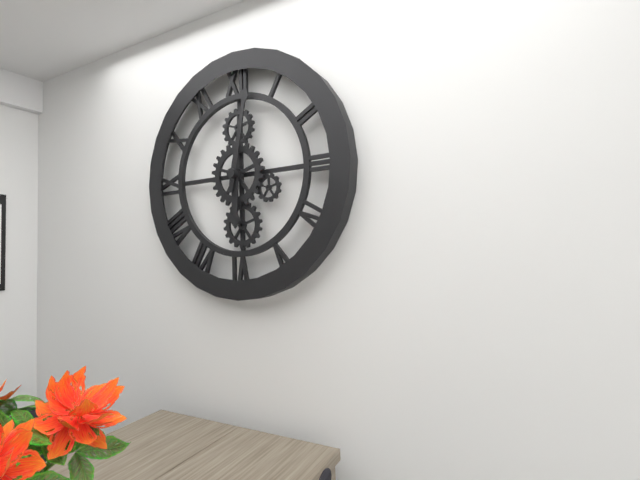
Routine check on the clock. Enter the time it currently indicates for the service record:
6:02
